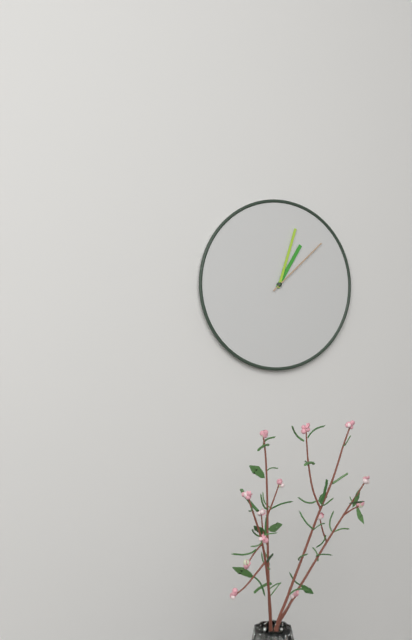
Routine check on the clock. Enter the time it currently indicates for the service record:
1:03:08
